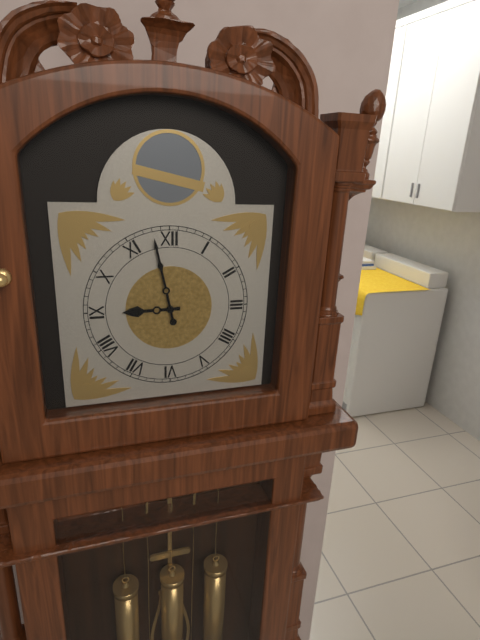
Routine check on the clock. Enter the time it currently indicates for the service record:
8:58
